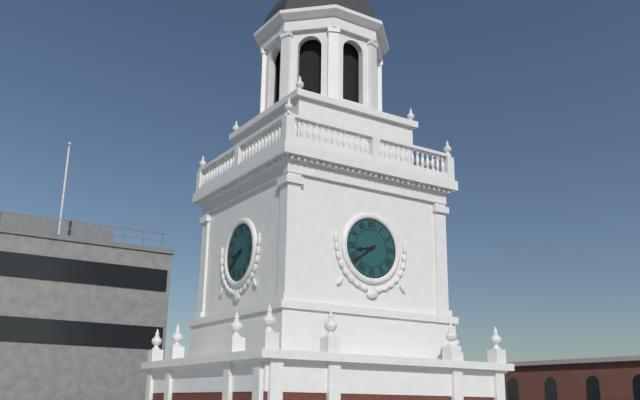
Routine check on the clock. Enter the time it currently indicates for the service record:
8:39
